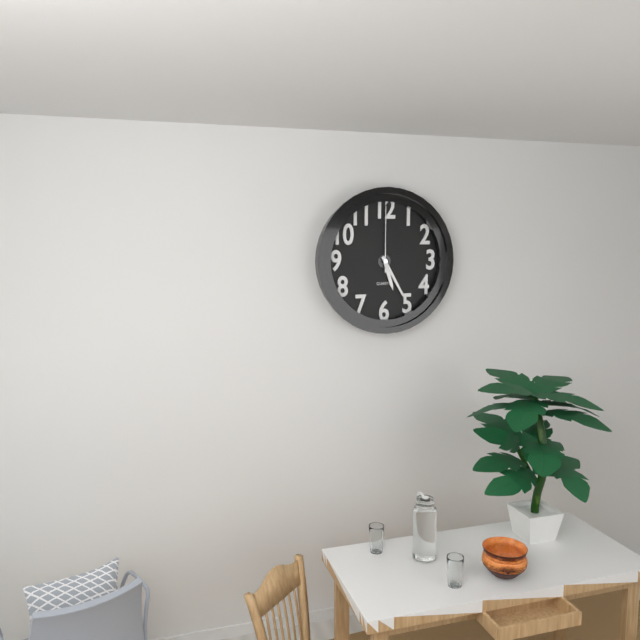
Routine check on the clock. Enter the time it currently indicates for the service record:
5:25:00
